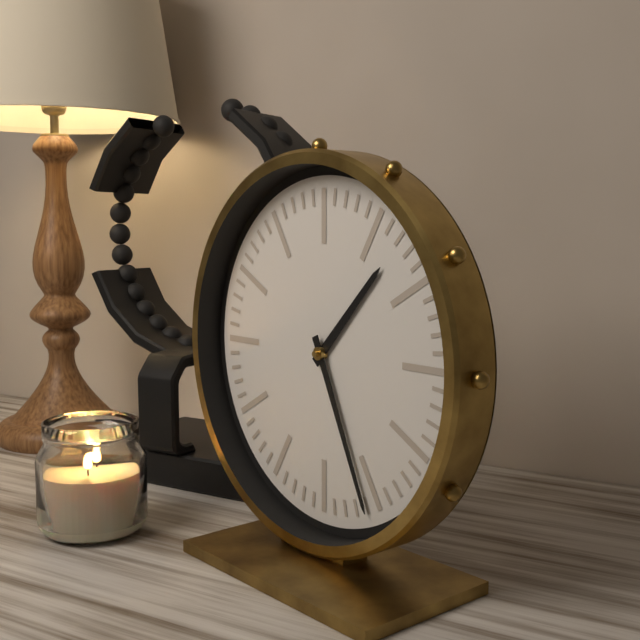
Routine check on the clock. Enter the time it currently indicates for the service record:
1:26
